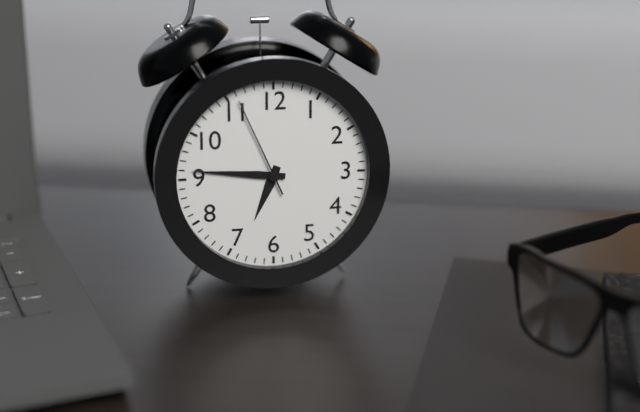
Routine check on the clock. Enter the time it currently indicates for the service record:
6:46:56
